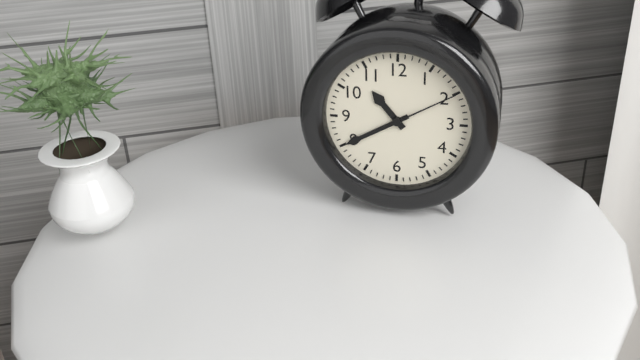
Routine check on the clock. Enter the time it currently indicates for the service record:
10:40:10
